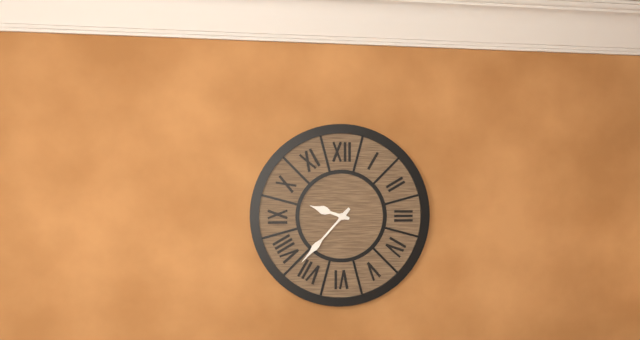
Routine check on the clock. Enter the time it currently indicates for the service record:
9:37
